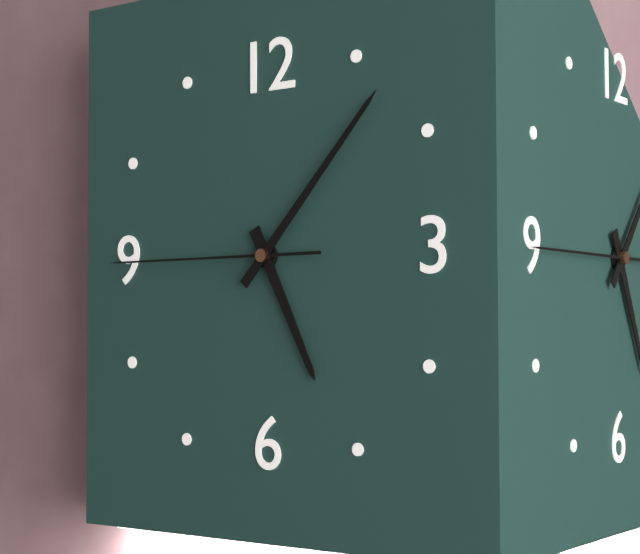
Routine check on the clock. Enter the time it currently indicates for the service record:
5:07:45
